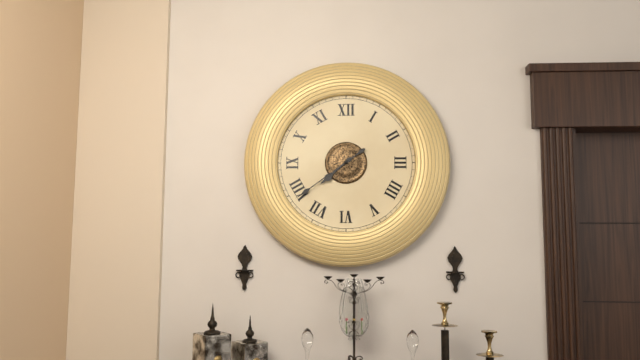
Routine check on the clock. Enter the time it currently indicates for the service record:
7:39
